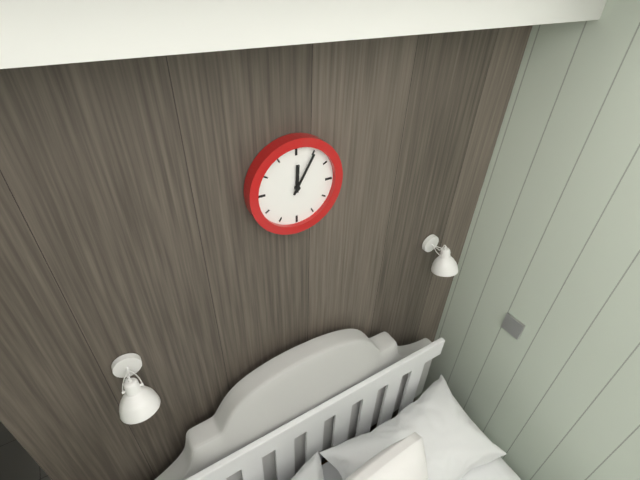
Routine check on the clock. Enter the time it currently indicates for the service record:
12:05
